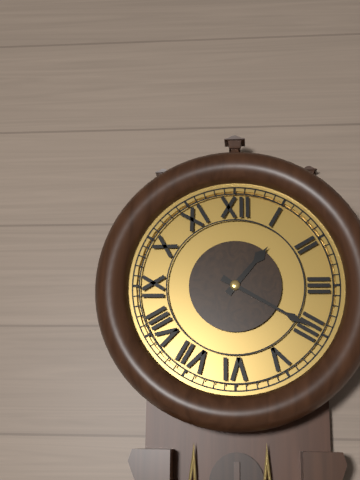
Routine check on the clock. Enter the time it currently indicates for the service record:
1:20
